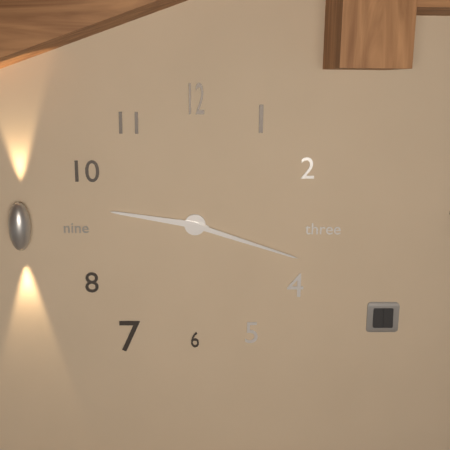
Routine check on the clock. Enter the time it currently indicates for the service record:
9:18
